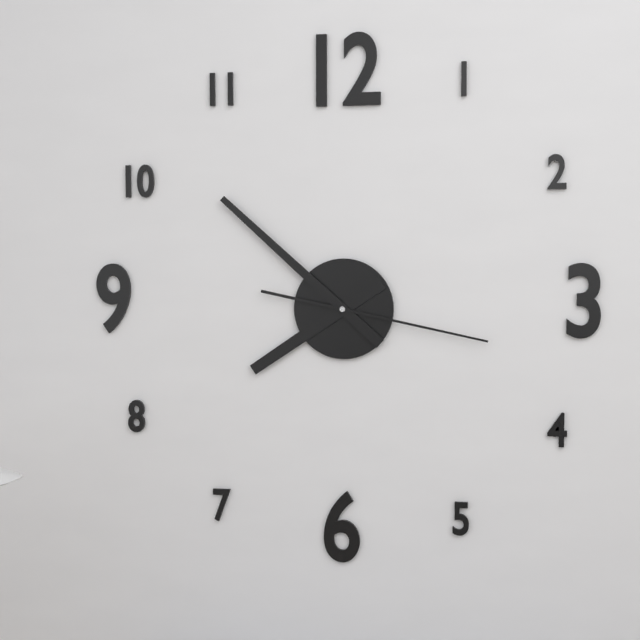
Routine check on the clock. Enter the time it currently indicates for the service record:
7:52:17
